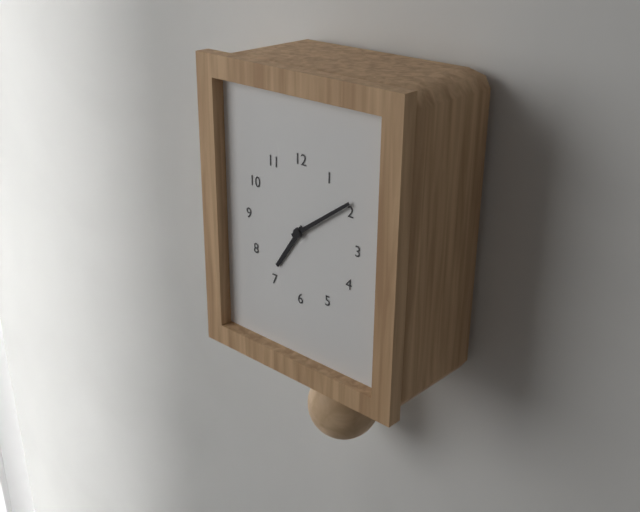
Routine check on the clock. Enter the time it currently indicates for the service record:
7:09
